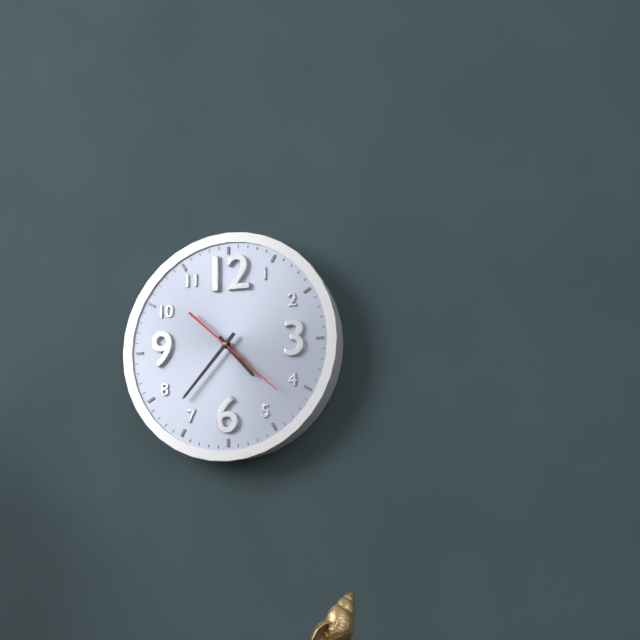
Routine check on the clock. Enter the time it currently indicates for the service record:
4:37:22
